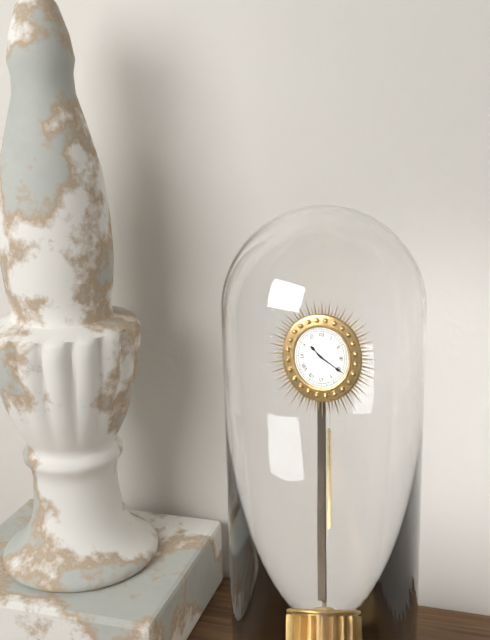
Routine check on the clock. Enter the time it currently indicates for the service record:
10:20
